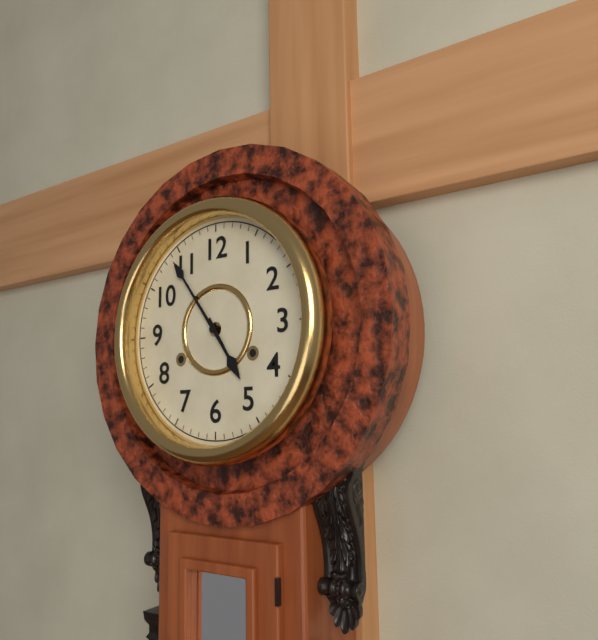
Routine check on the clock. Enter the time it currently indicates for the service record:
4:54
